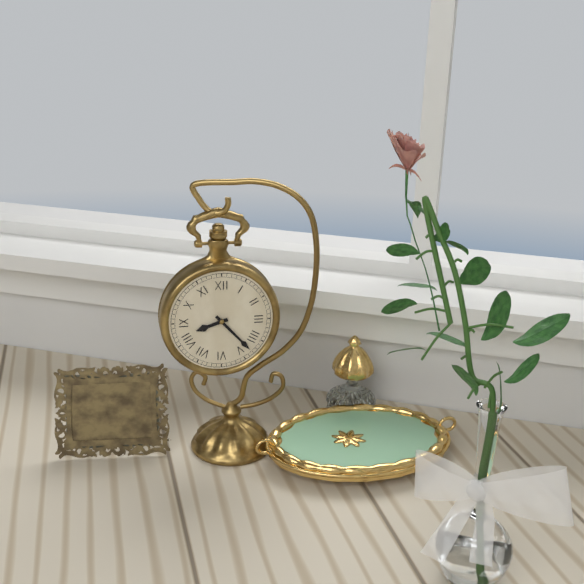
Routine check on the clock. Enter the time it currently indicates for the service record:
8:23
